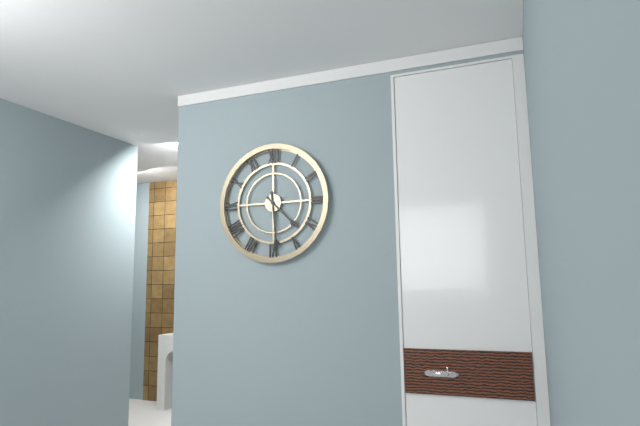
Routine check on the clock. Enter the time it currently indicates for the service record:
4:29
